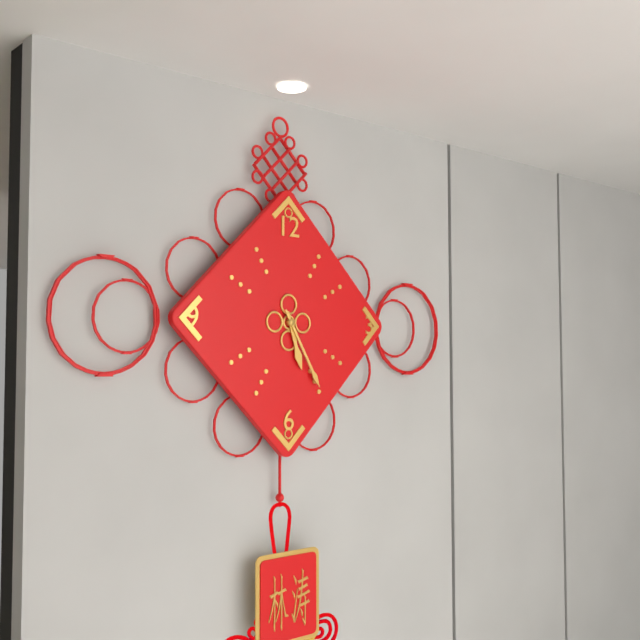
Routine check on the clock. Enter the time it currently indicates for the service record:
5:25
